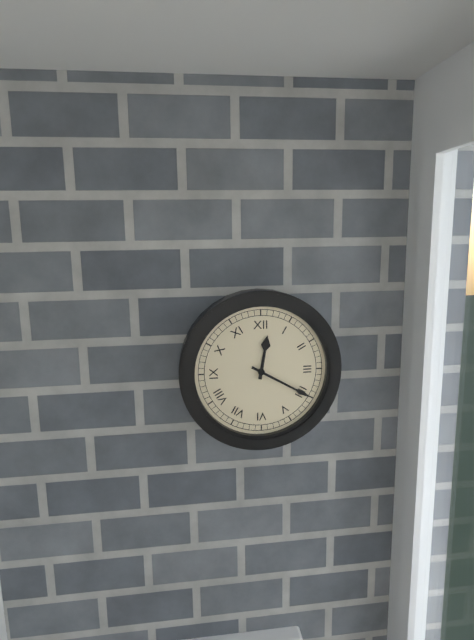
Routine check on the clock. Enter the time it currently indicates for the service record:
12:20
